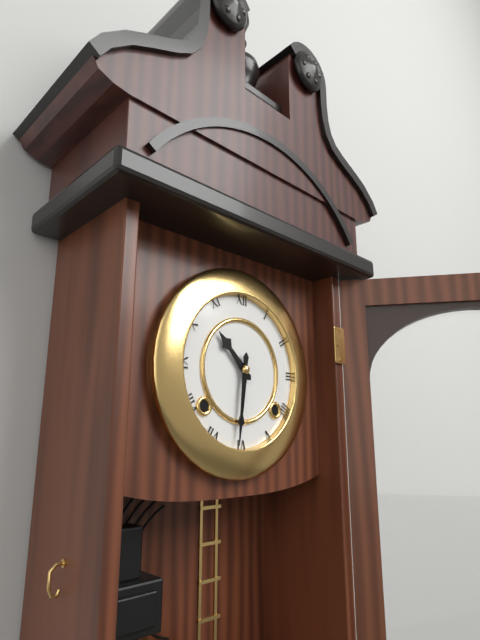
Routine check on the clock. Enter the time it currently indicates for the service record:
10:31
